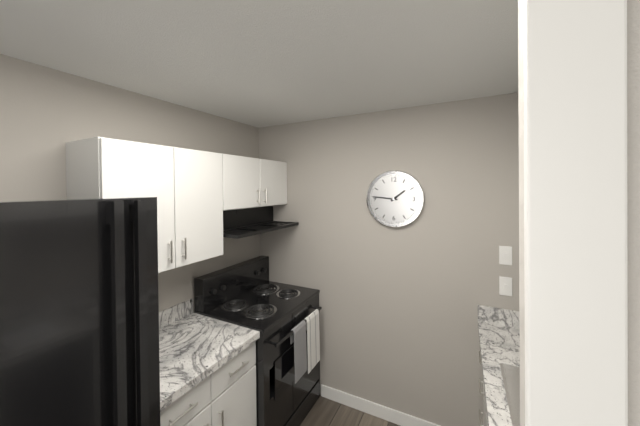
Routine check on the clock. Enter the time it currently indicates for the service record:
1:46
